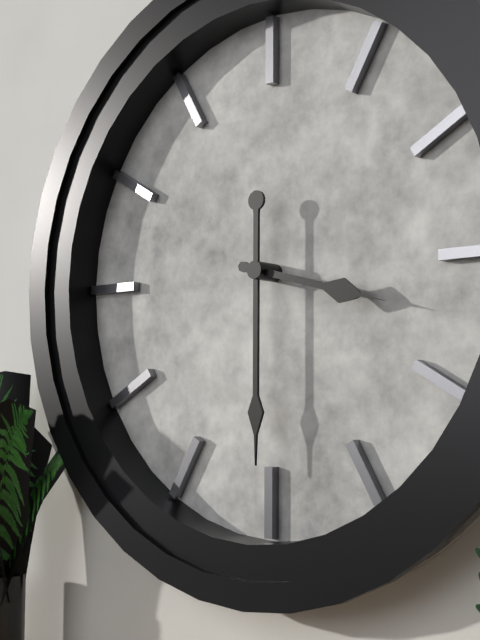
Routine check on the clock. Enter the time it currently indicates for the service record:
3:30
